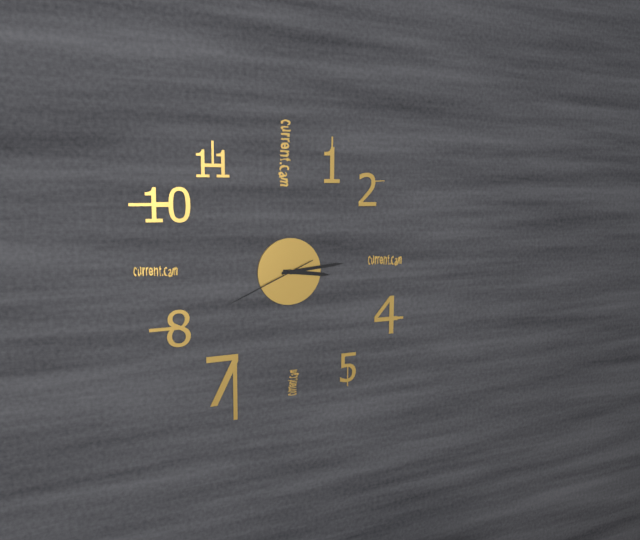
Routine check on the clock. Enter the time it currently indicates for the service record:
3:14:41
